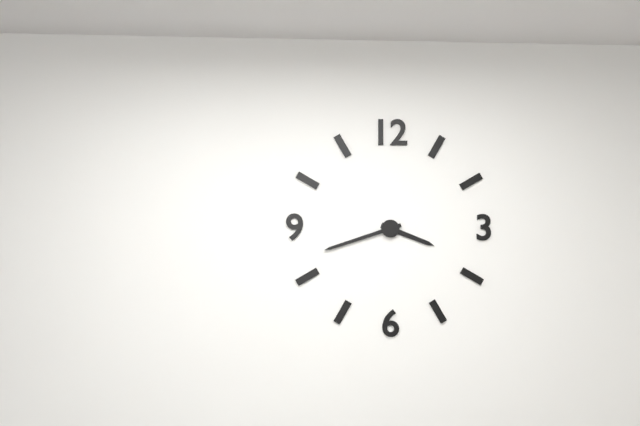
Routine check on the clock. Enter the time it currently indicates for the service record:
3:42
